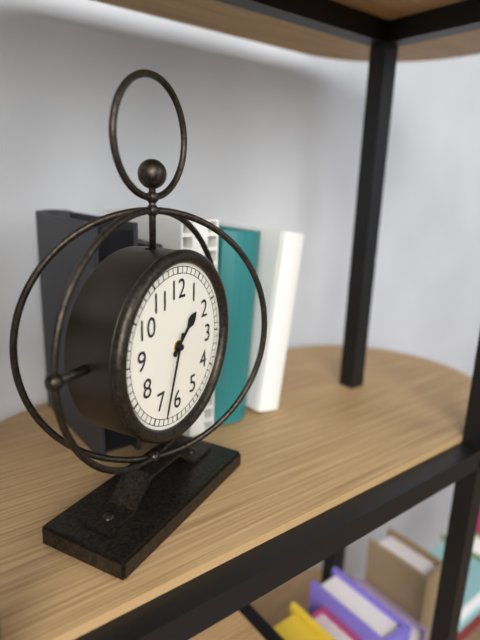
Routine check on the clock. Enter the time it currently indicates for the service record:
1:33
